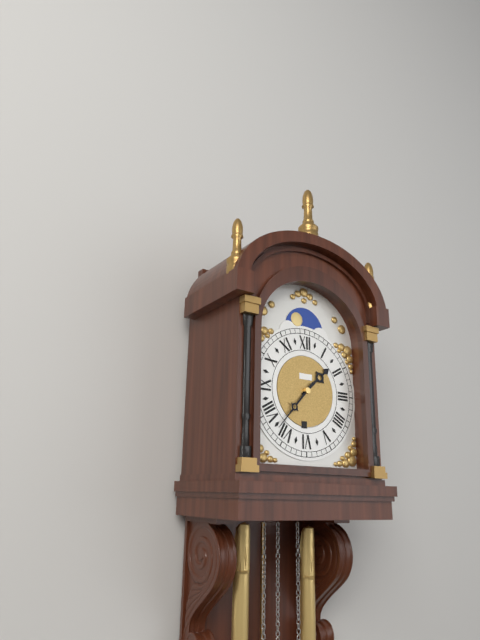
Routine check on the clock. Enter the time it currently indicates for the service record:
1:37
